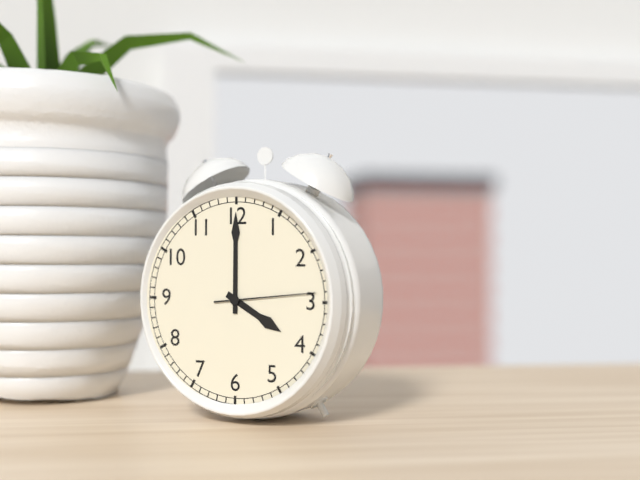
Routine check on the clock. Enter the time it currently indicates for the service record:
4:00:14
